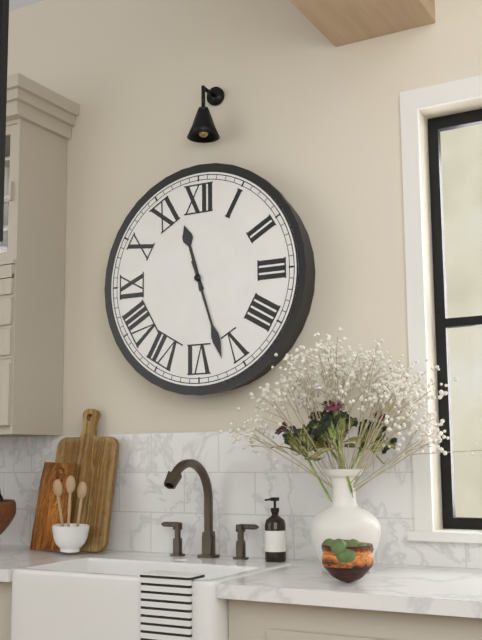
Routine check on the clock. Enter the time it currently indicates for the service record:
11:27
